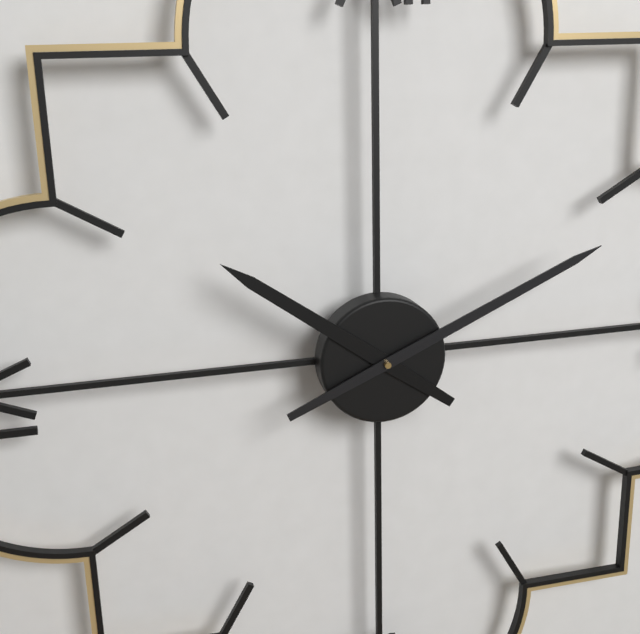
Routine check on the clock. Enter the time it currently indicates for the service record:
10:11
